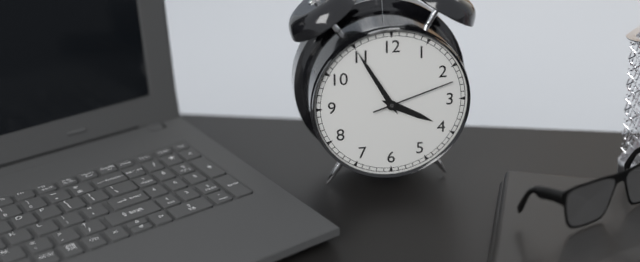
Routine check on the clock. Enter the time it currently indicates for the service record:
3:55:12
